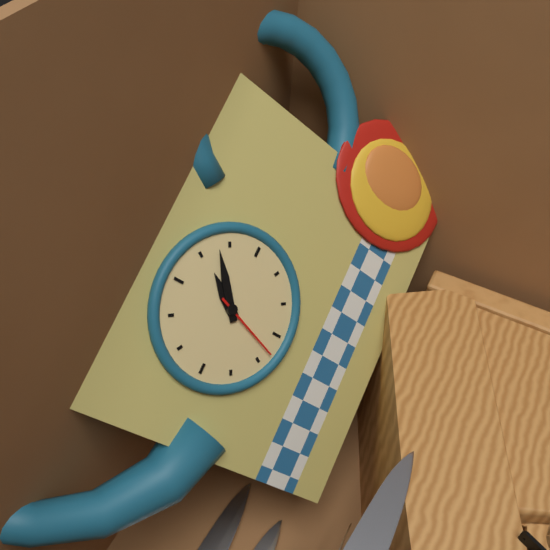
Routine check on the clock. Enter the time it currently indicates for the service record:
1:08:33
